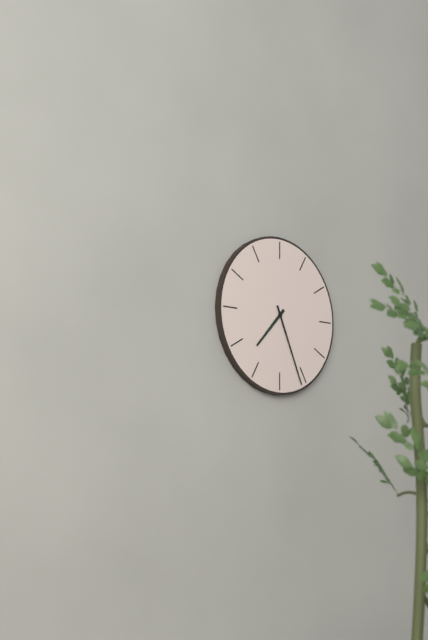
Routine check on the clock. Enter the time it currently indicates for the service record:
7:26
